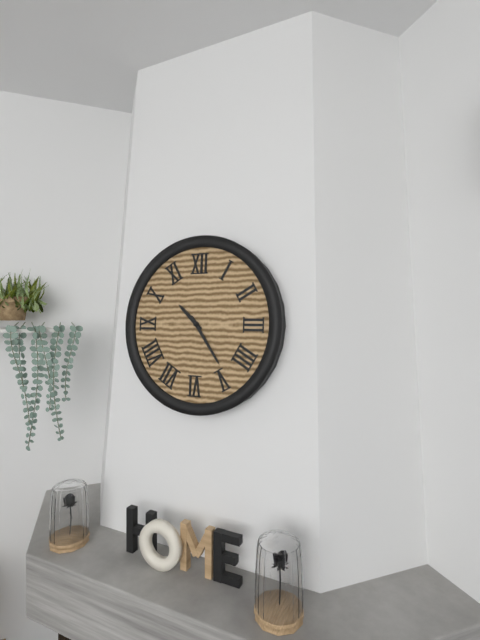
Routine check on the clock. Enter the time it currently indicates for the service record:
10:24
